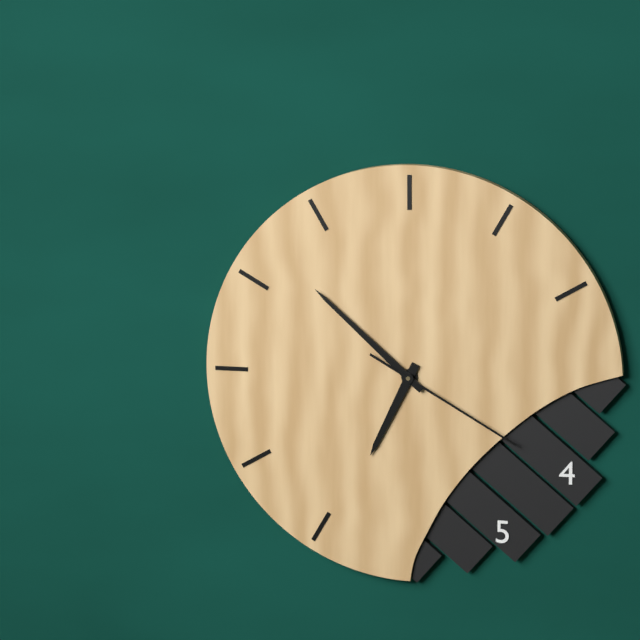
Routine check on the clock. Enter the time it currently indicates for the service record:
6:52:20
